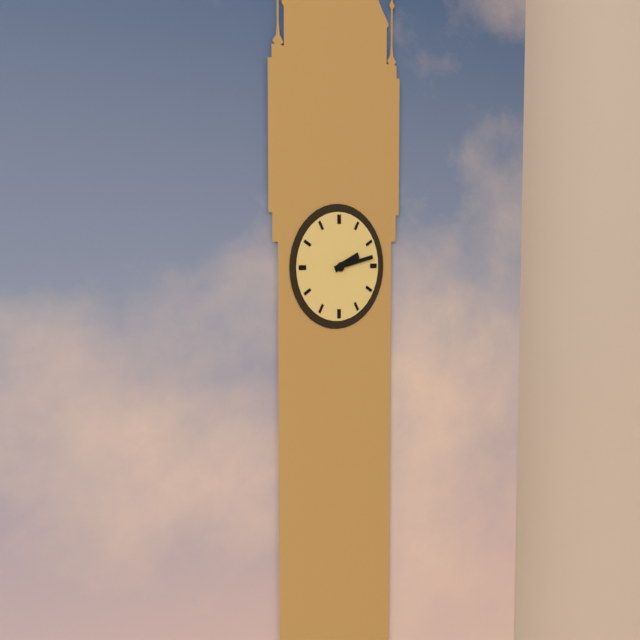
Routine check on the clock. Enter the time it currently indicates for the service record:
2:13
